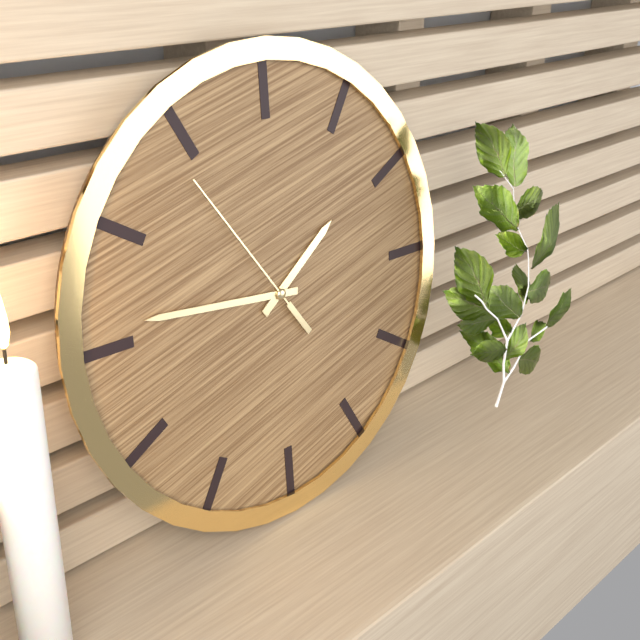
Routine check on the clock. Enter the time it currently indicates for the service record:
1:46:54
